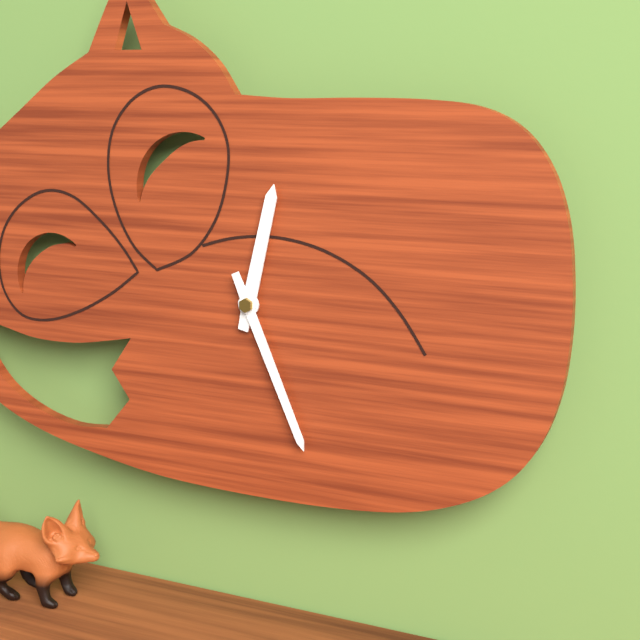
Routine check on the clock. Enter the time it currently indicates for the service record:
12:26
